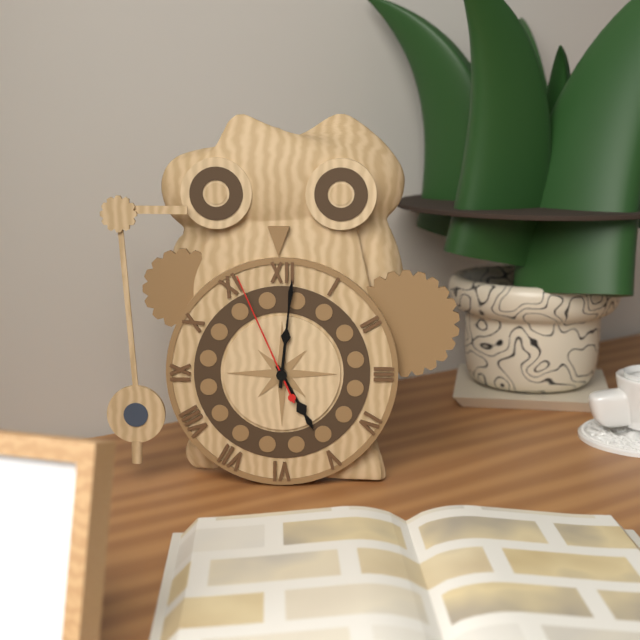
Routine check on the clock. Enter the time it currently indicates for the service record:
5:01:56
